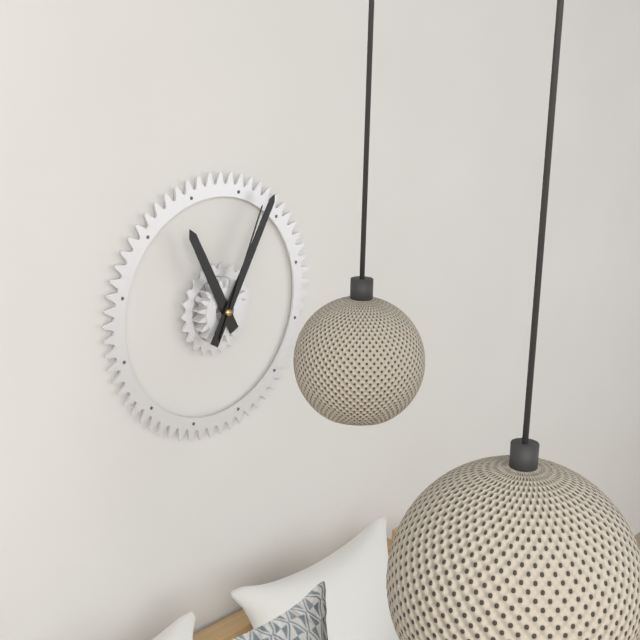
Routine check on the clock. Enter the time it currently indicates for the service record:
11:05:04
